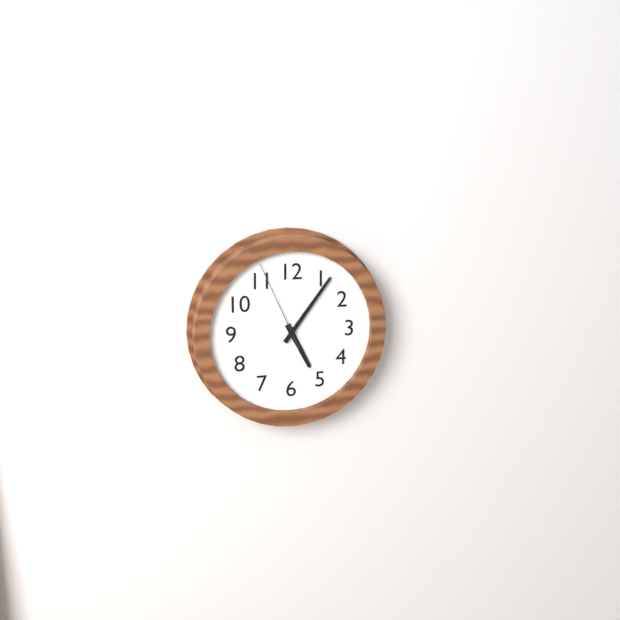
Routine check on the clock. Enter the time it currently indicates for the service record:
5:06:56
